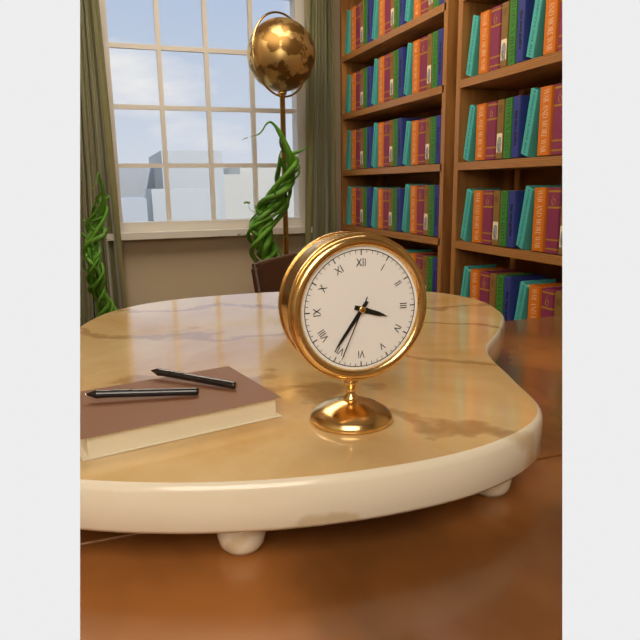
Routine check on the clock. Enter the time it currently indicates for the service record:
3:36:34
